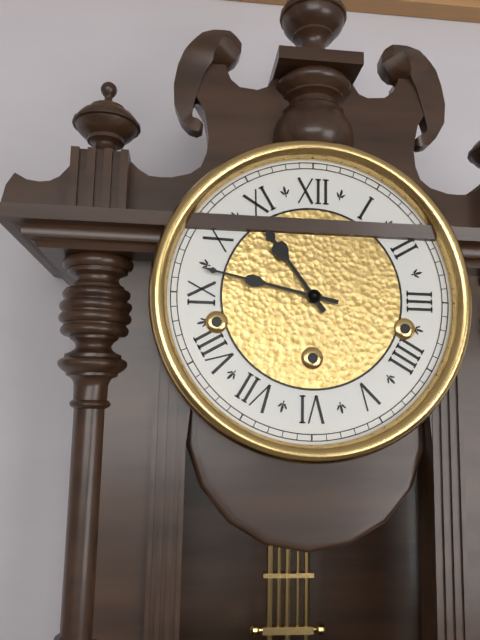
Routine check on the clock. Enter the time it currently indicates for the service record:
10:47
